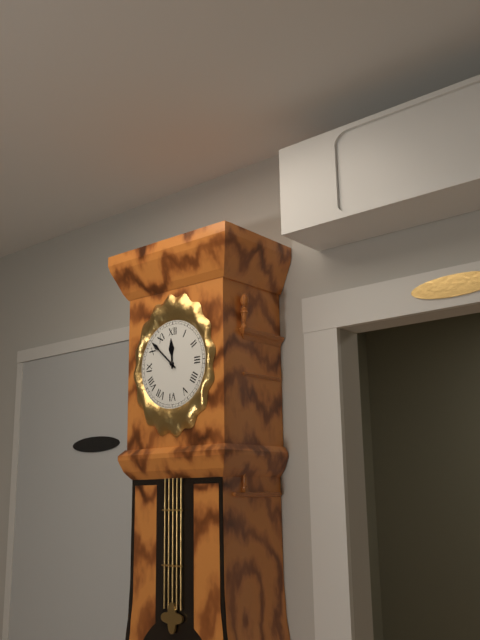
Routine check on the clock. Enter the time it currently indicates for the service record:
11:52
